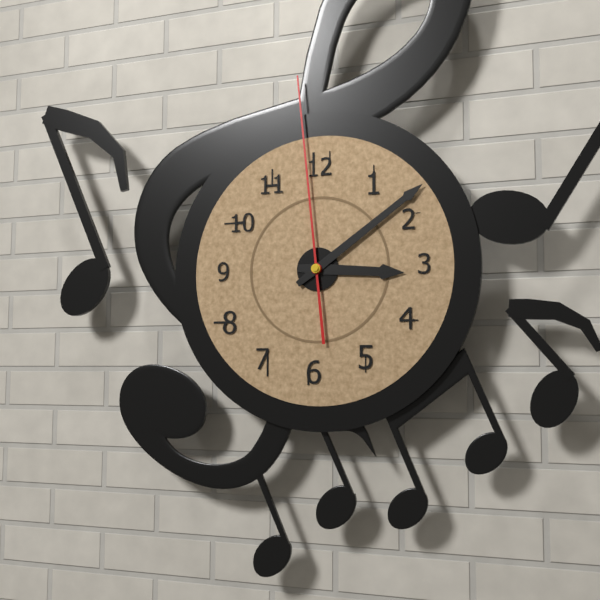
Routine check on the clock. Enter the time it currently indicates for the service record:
3:09:59
